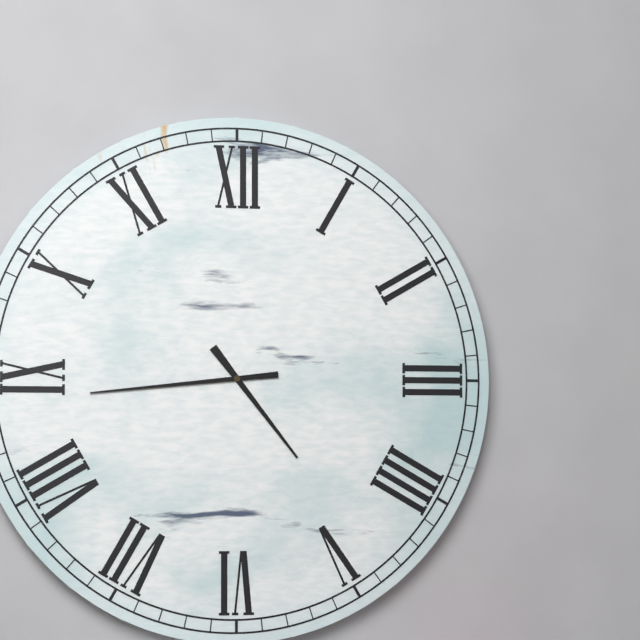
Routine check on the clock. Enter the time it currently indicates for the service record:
4:44
